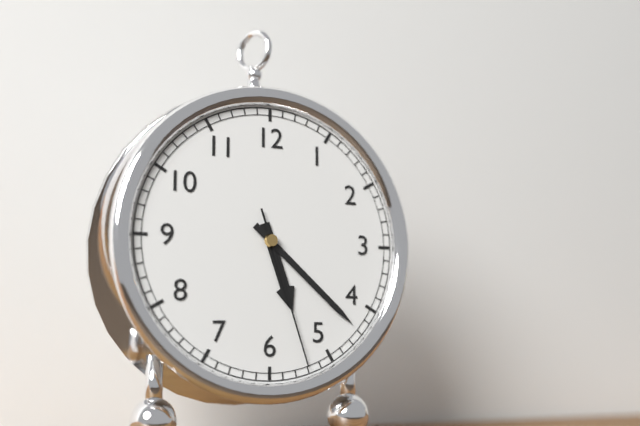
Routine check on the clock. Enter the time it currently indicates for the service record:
5:22:27
